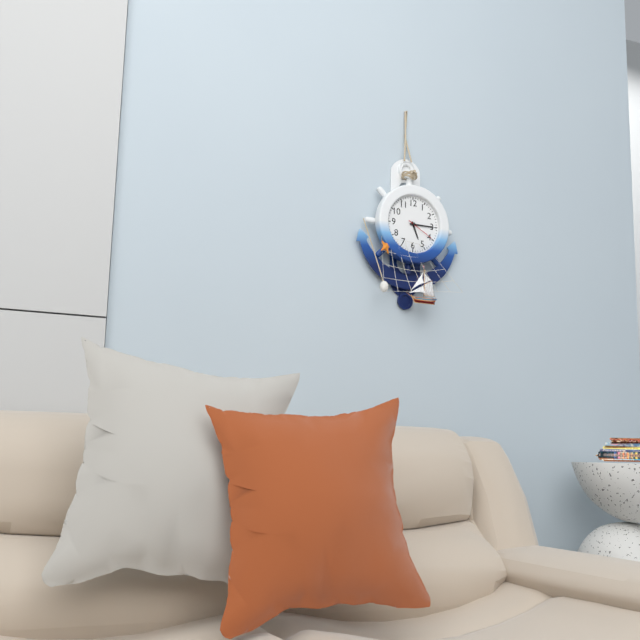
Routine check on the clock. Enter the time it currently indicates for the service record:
5:15
